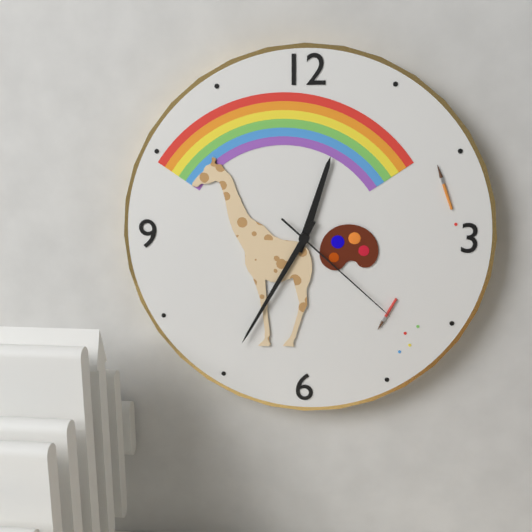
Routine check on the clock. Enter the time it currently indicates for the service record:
12:35:22
